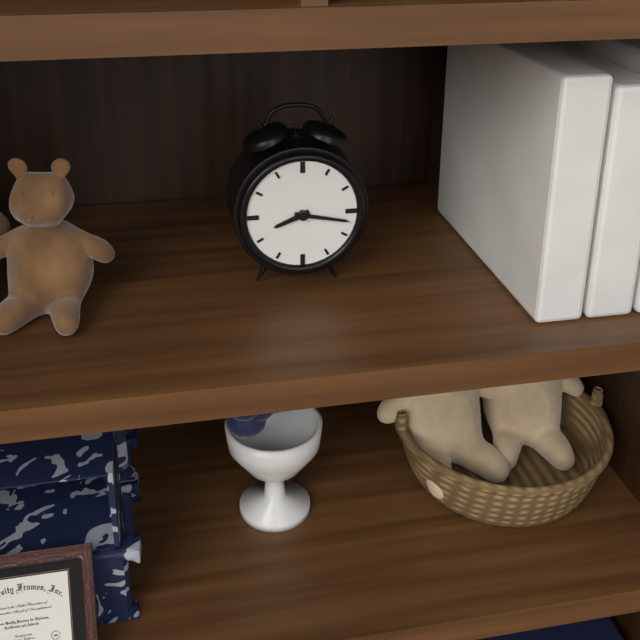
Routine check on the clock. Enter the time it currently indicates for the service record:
8:17
